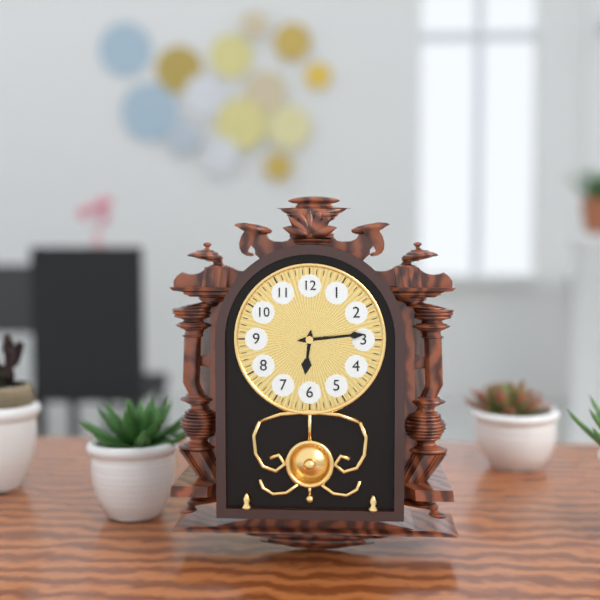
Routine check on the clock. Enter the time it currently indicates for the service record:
6:14
